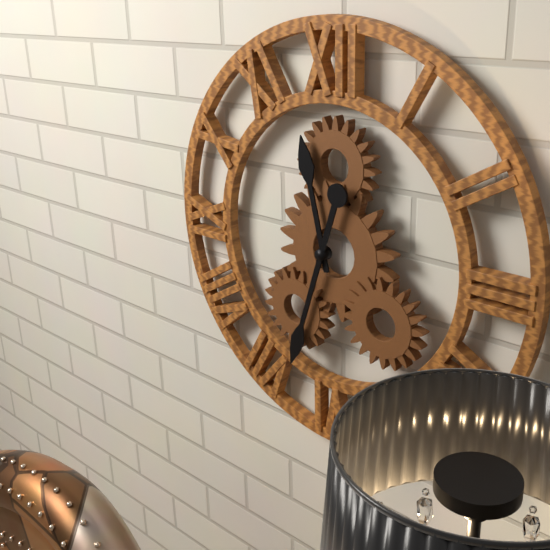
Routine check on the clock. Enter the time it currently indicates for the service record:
11:33
